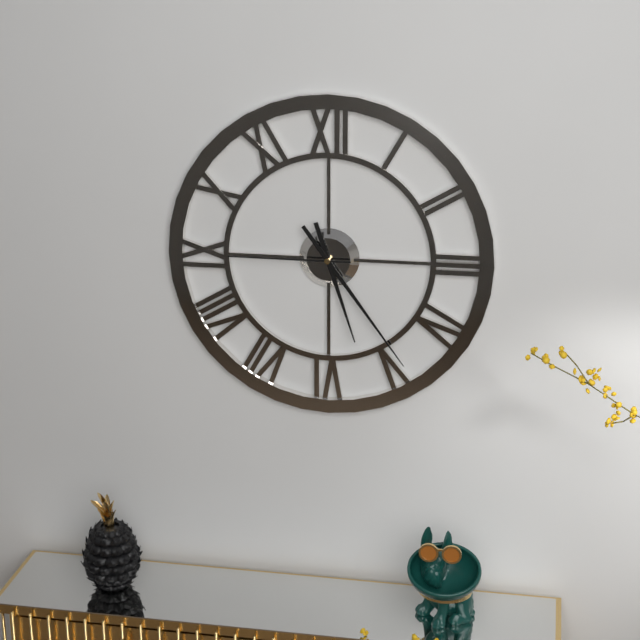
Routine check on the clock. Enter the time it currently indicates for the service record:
5:24:45
